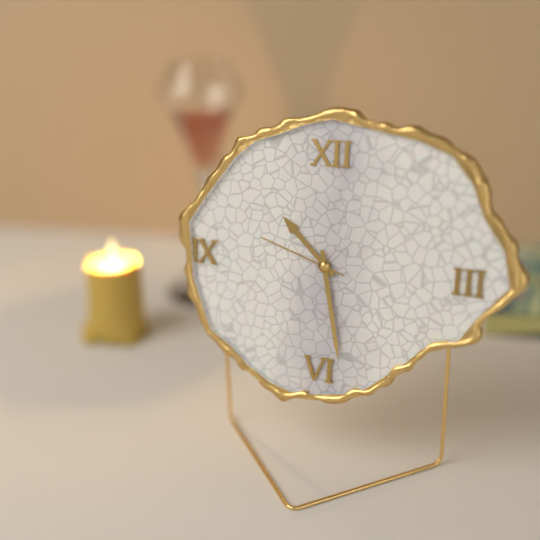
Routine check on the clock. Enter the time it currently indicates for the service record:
10:28:48
